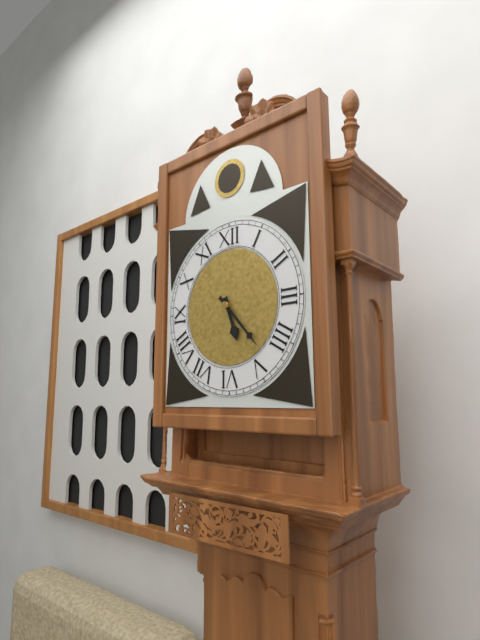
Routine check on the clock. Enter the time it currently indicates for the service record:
5:23
